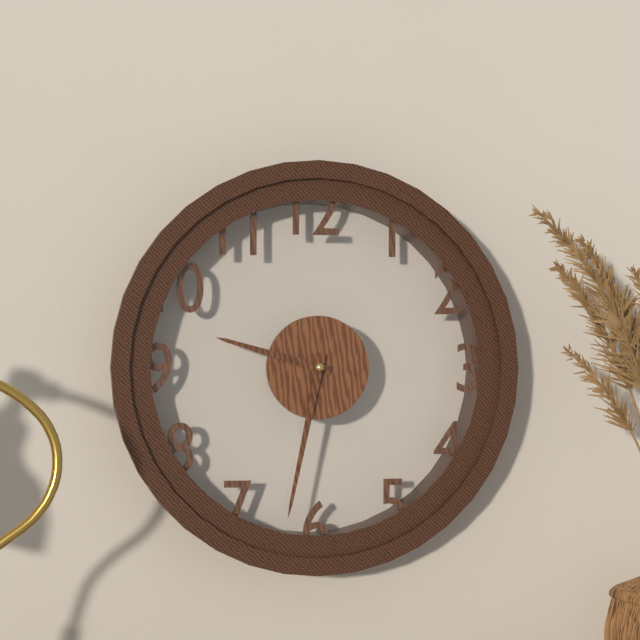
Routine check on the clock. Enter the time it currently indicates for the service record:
9:32
